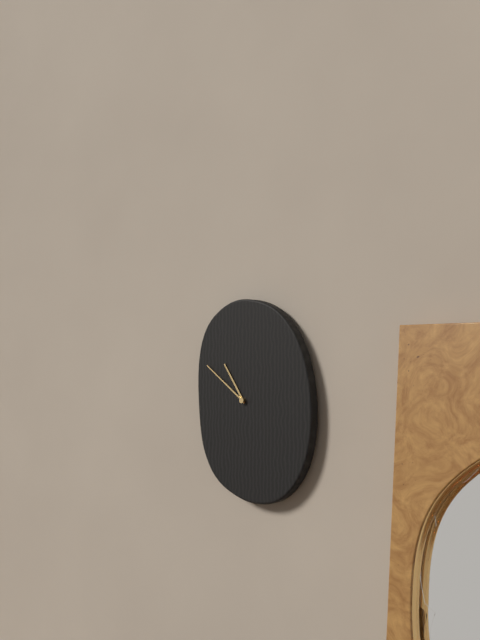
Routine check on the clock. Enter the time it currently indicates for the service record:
10:51
